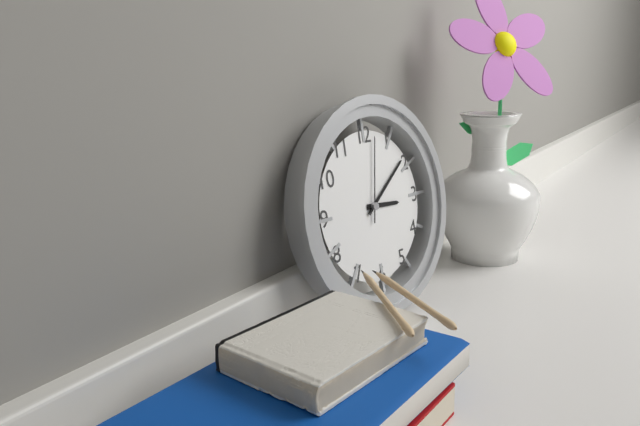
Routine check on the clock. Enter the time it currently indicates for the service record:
3:09:02
